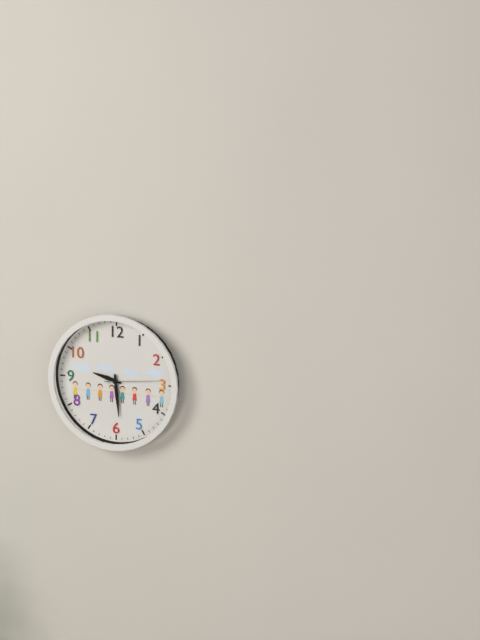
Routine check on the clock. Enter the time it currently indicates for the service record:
9:29:14
